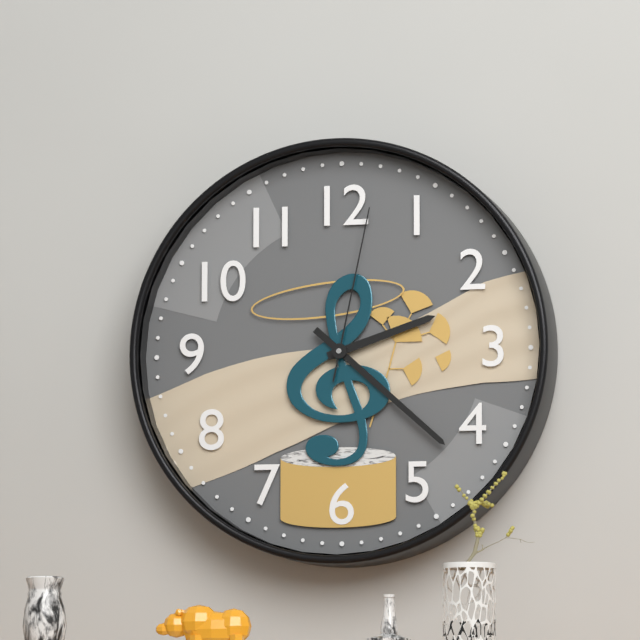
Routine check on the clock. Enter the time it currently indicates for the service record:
2:22:02
